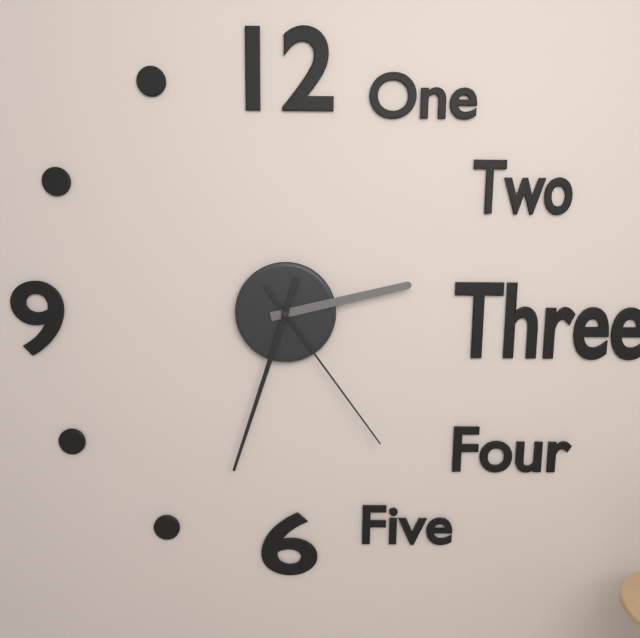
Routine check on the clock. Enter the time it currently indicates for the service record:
2:33:24
